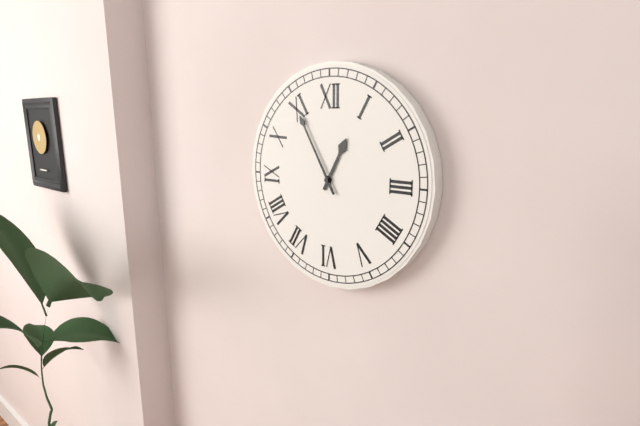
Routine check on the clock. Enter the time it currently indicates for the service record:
12:55
